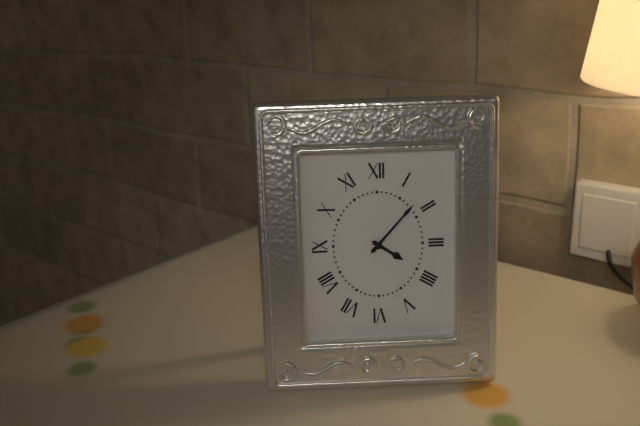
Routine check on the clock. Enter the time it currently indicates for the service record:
4:07
